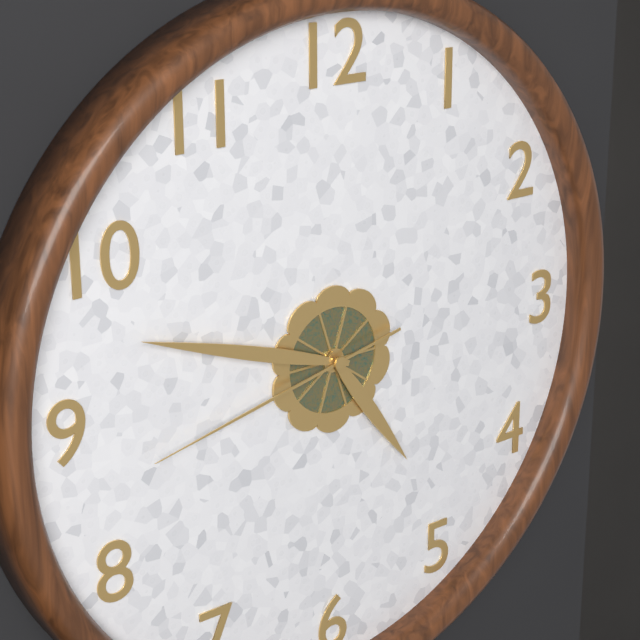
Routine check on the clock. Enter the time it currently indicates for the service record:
4:48:43
